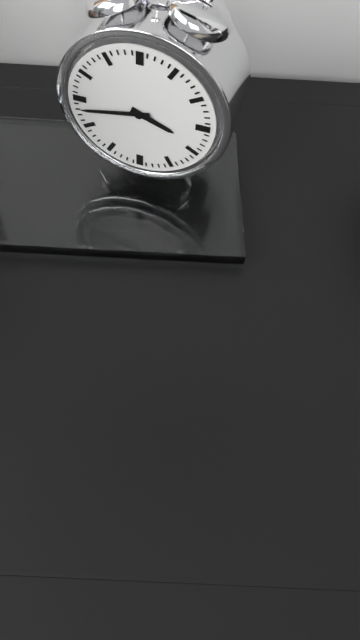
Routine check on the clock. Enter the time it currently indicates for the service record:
3:43
